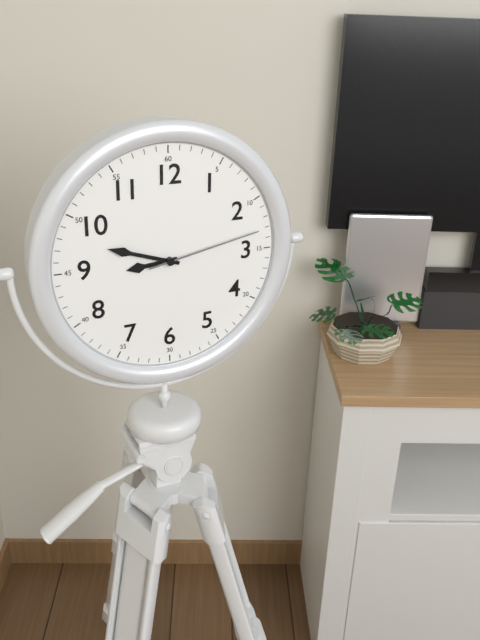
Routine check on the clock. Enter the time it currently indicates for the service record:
8:48:13
